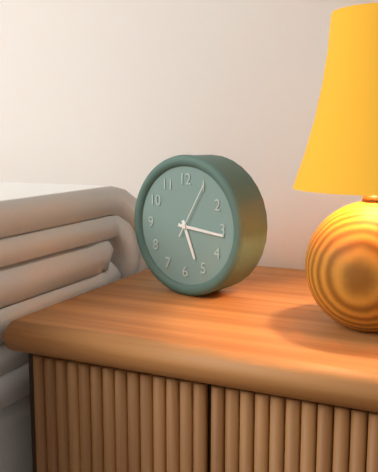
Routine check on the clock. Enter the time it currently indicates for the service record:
5:16:05
